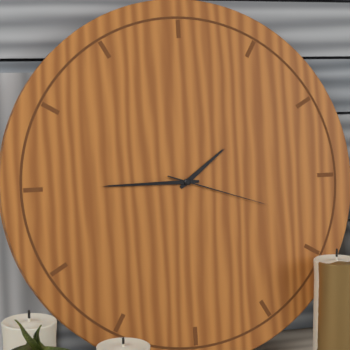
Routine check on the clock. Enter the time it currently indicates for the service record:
1:45:18
